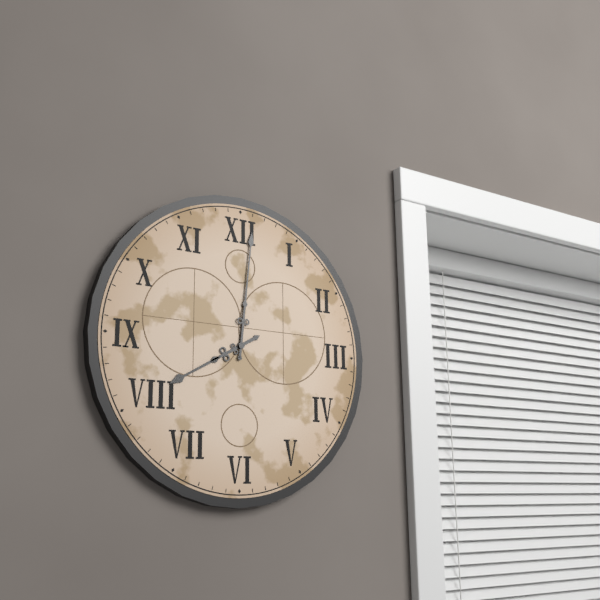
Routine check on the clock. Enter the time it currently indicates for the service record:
8:01
